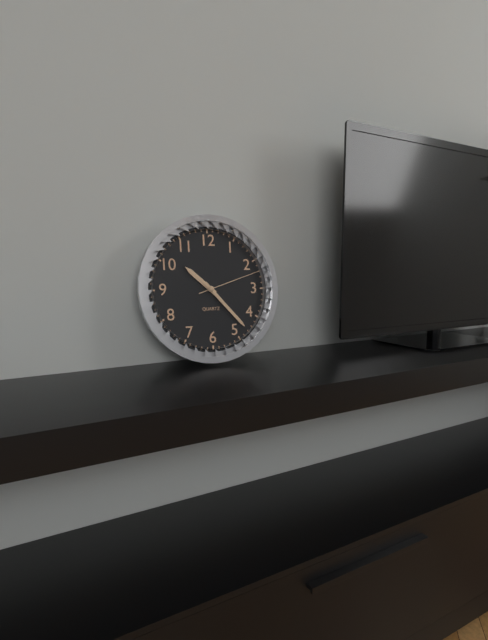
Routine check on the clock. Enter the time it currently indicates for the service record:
10:23:12
